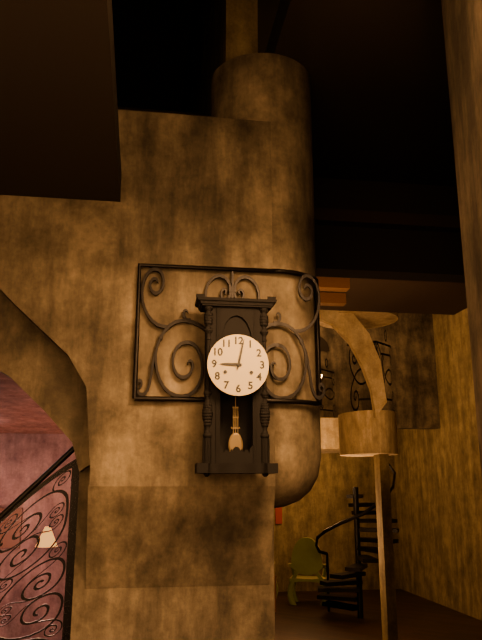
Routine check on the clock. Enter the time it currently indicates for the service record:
9:02
